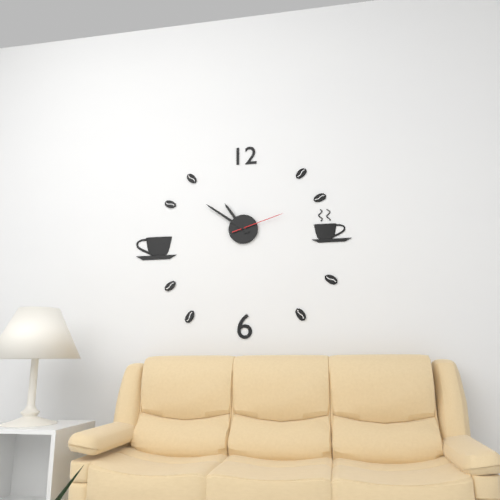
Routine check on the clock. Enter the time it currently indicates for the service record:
10:51:12
